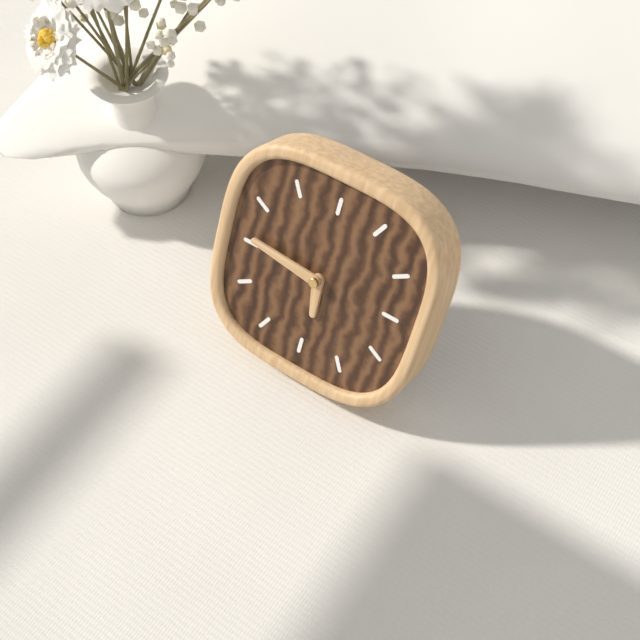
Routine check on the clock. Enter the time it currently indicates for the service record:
5:46
